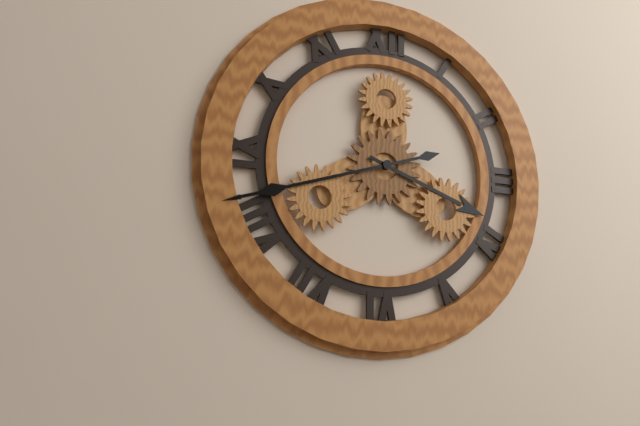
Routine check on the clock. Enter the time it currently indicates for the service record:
3:42
